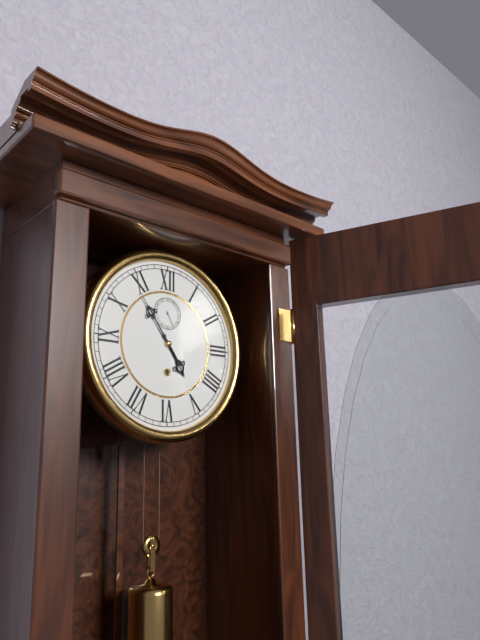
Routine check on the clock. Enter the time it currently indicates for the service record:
4:54
